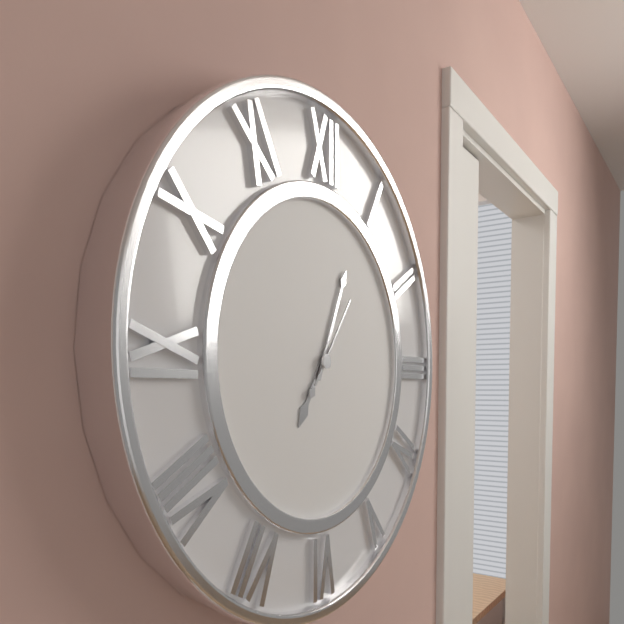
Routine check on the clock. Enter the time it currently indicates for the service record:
7:04:06
